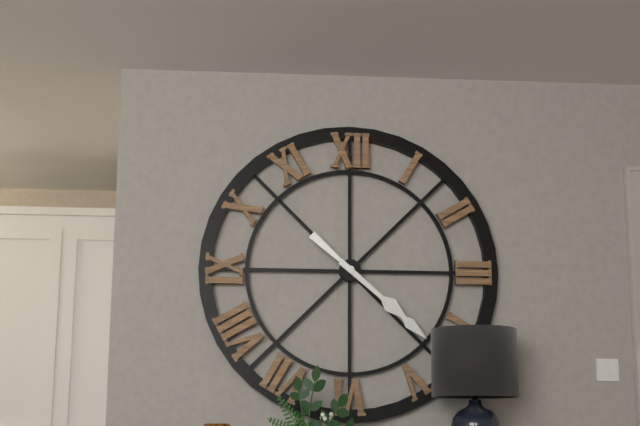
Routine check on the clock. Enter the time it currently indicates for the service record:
4:22
